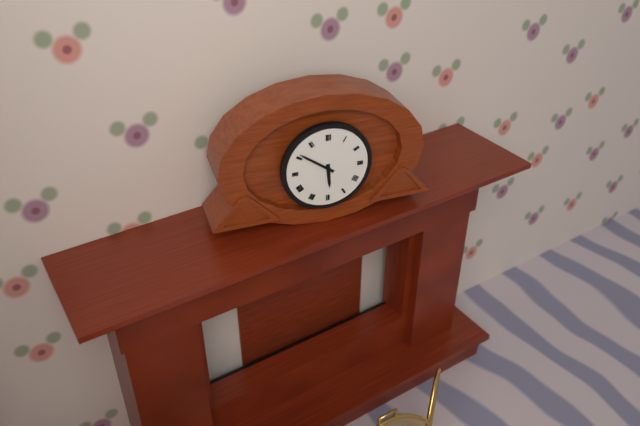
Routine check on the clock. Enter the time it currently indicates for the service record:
5:51
